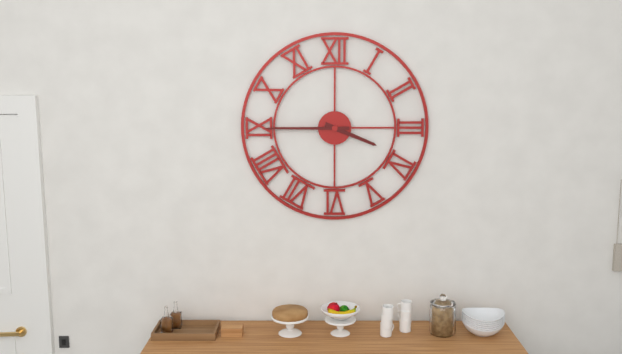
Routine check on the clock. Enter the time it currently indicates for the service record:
3:45
